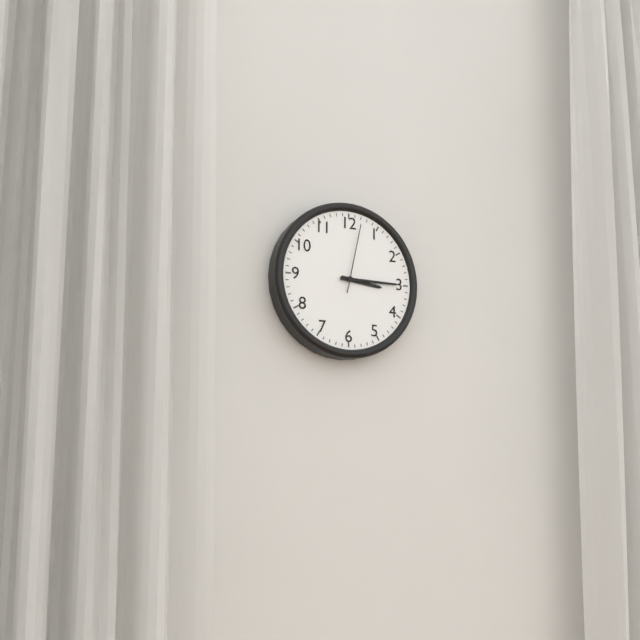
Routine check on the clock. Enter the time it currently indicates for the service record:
3:15:02
